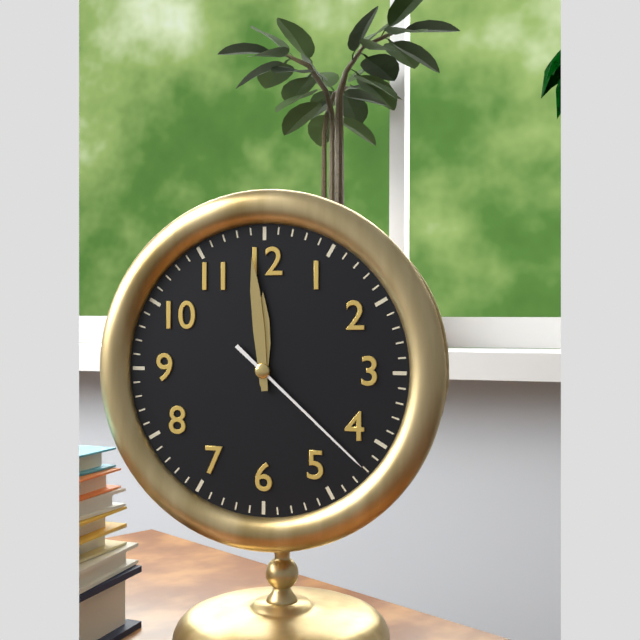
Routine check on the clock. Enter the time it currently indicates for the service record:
11:59:22
